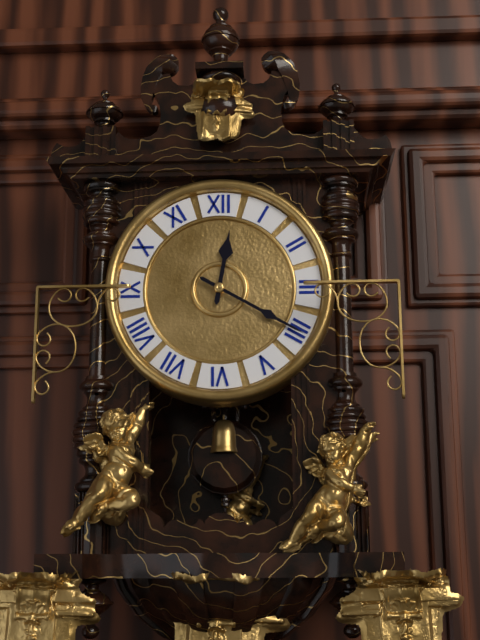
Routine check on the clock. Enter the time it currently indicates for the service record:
12:20
